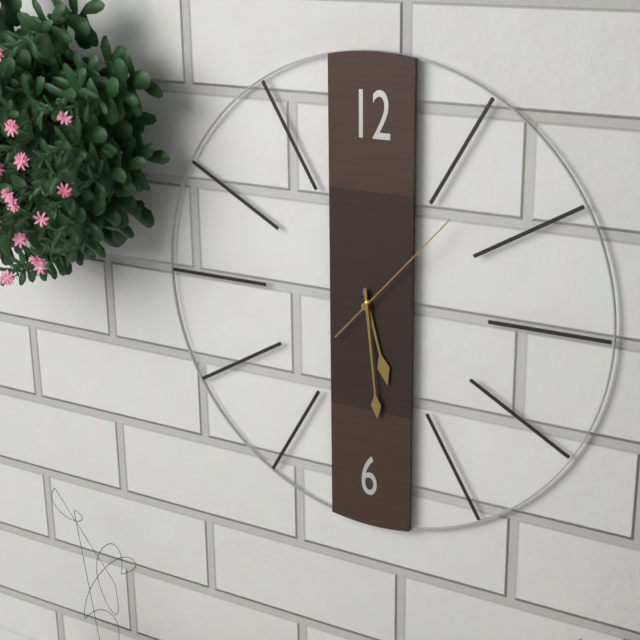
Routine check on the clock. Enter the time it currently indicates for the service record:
5:29:07
